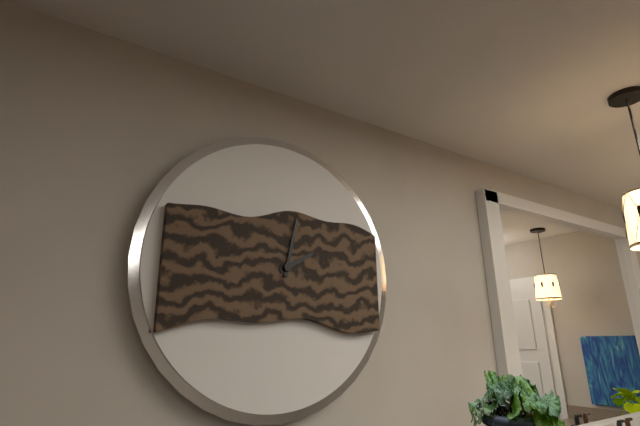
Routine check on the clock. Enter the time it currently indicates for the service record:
2:02
